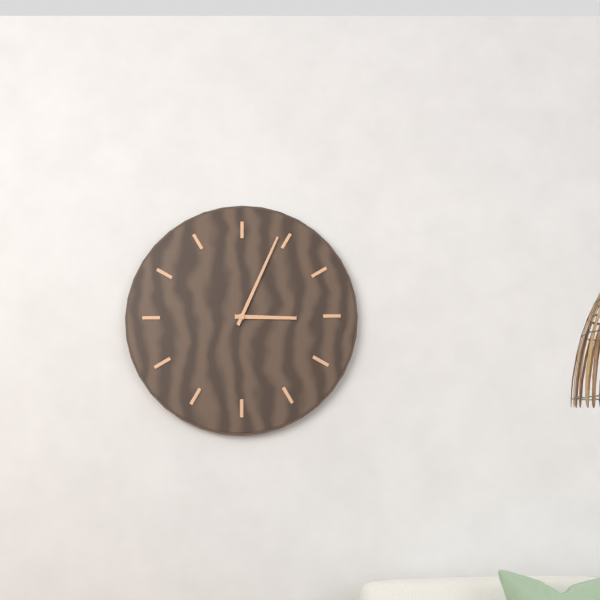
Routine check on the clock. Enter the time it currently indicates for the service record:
3:04
